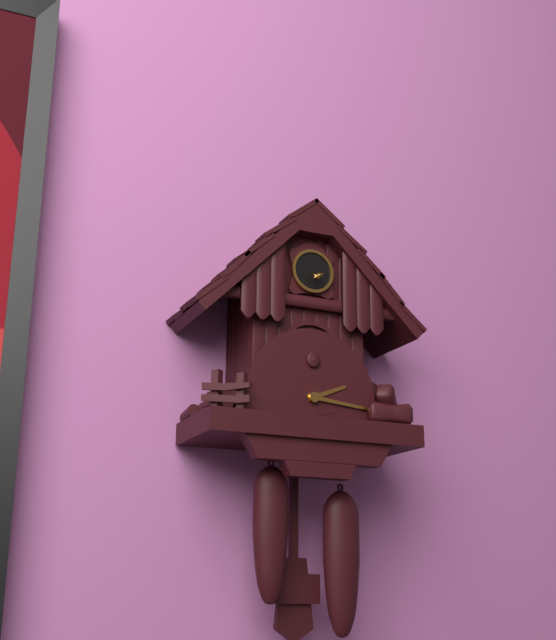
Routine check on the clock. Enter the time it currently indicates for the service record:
2:16
